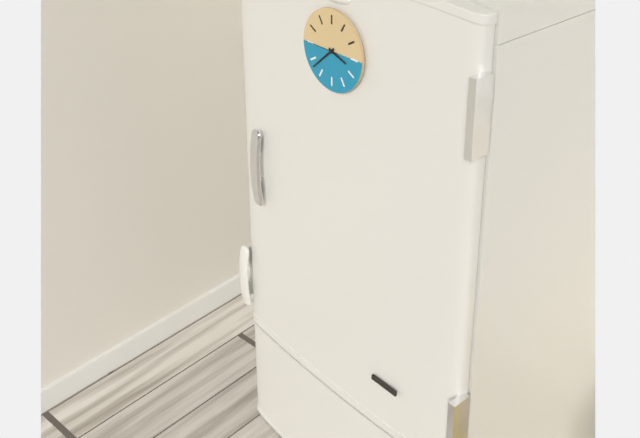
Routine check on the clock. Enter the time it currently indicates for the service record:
3:38
